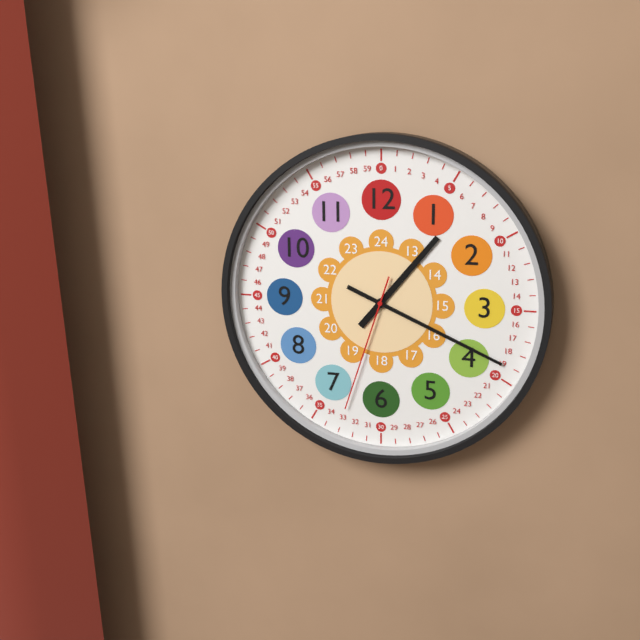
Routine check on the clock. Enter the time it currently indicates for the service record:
1:19:33
